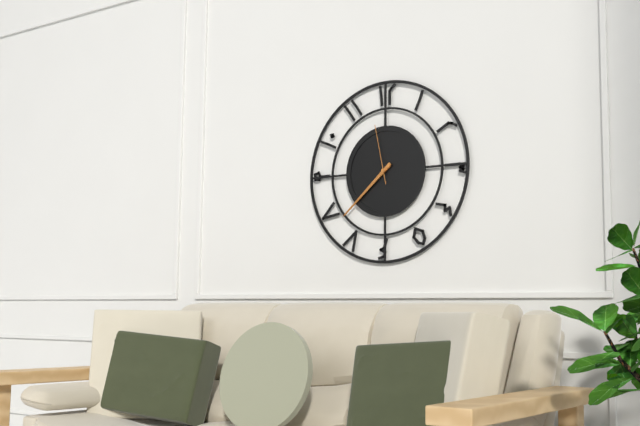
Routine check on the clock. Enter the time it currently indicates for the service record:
7:38:58
